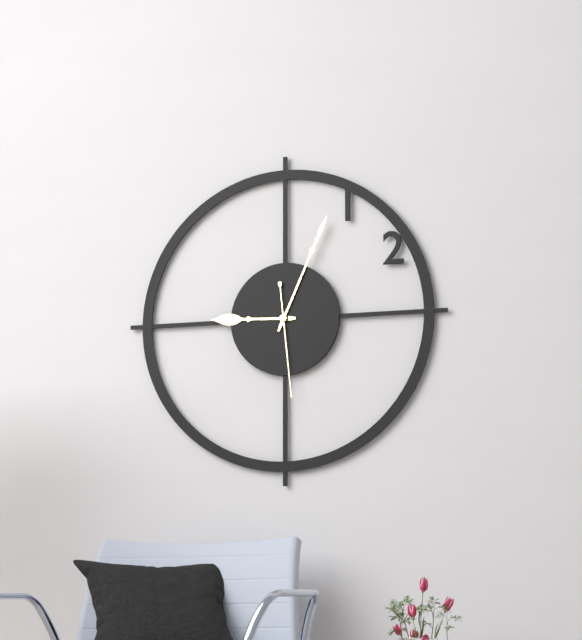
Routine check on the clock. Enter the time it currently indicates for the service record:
9:04:29
